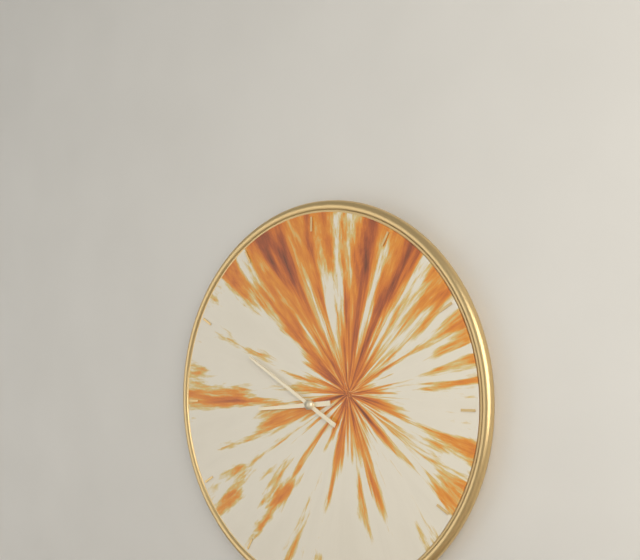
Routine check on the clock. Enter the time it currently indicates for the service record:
8:50
